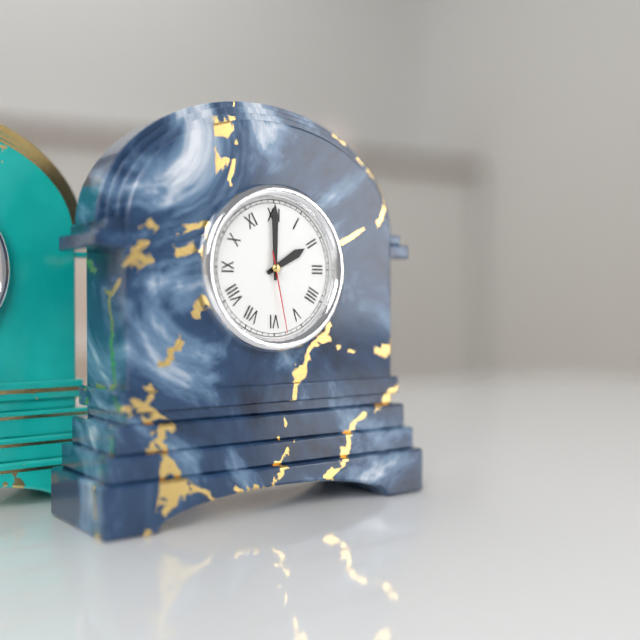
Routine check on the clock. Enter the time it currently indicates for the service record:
2:00:28
